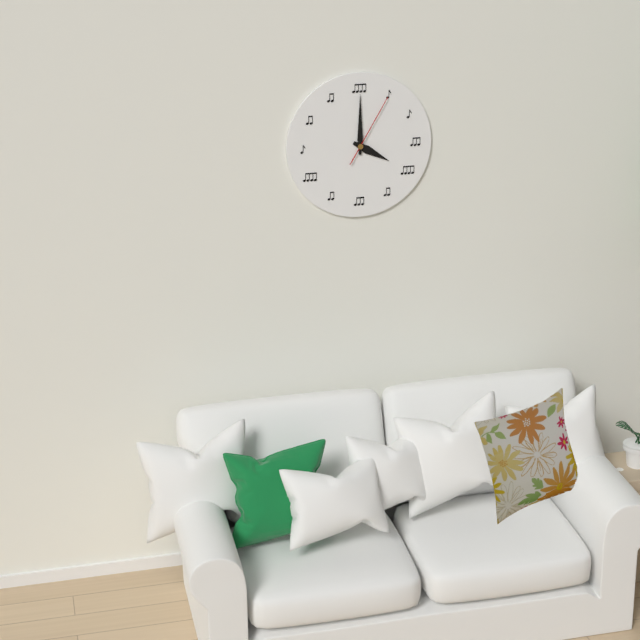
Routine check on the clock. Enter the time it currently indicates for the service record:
4:00:05
